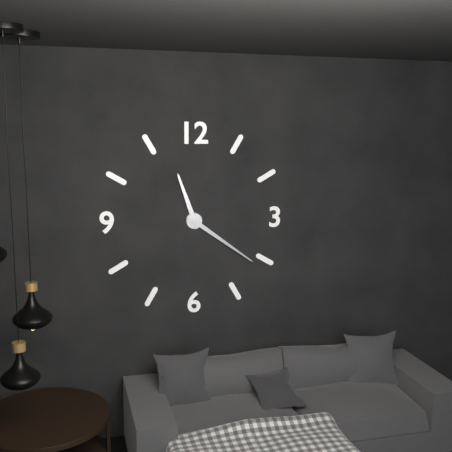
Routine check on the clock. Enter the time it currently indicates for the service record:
11:21
